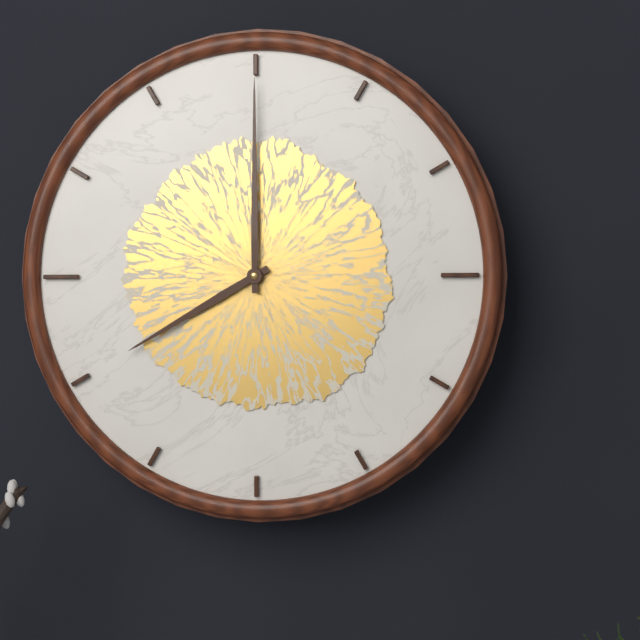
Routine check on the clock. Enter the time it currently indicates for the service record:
8:00
